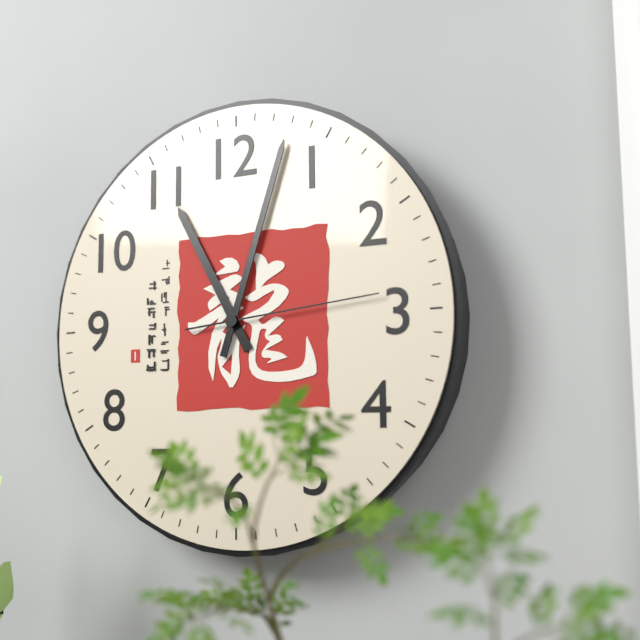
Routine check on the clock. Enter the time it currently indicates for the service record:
11:03:14
